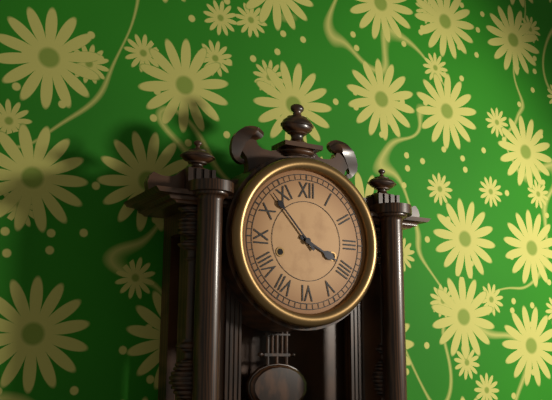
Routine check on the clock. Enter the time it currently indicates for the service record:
3:53
